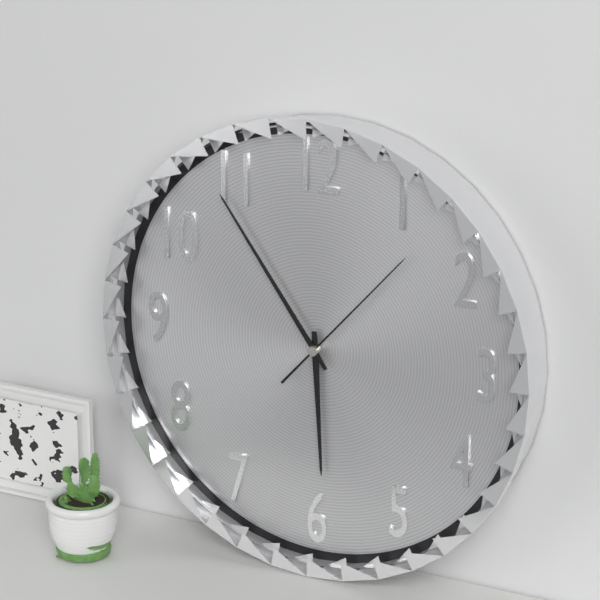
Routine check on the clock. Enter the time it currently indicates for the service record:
5:54:07
